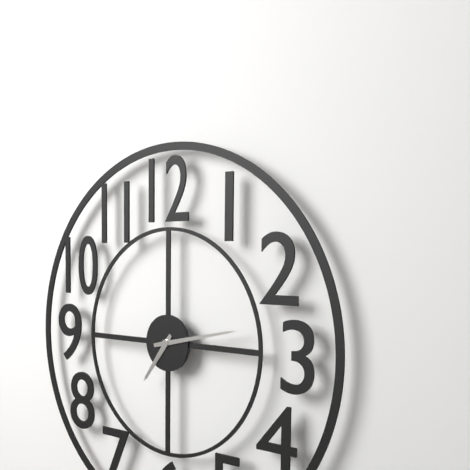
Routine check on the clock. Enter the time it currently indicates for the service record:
7:13
